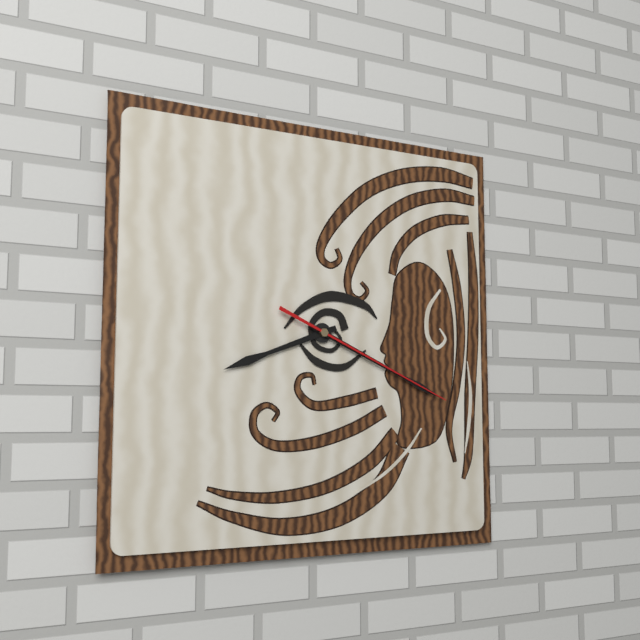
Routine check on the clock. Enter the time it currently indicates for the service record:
8:19:19
